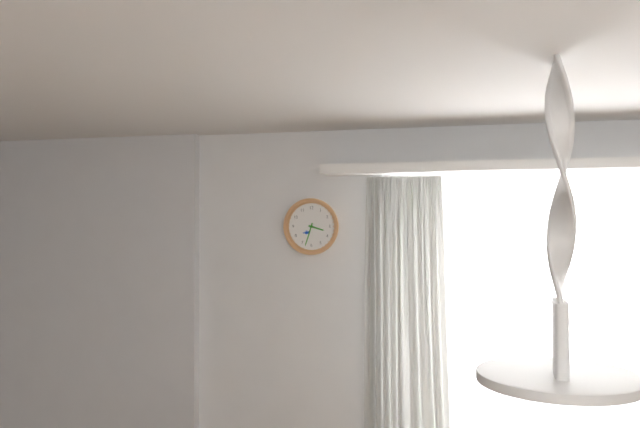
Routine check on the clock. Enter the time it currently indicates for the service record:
3:33
